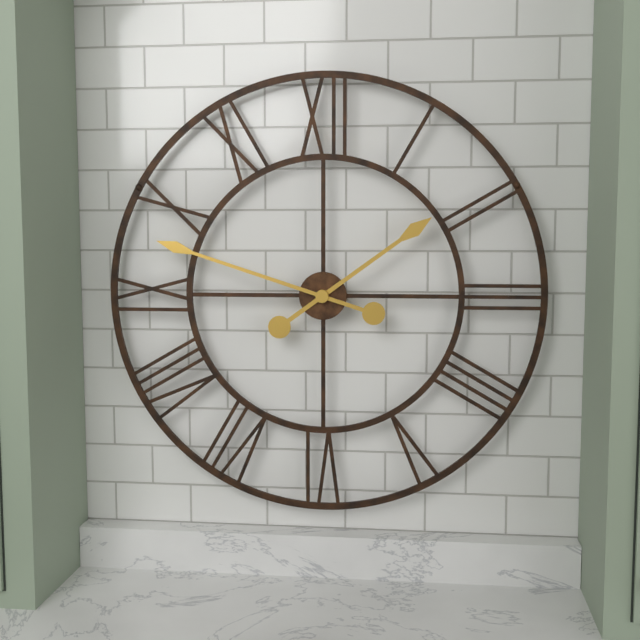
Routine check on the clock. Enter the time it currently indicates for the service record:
1:48
